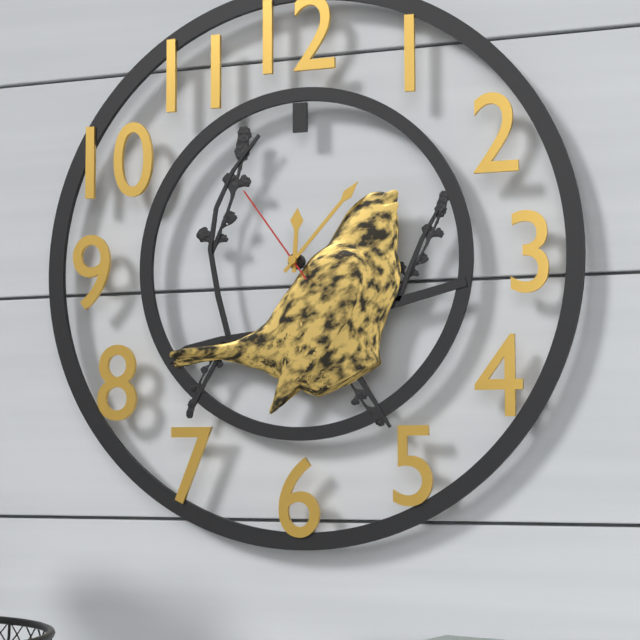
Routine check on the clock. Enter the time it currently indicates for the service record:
12:07:54
